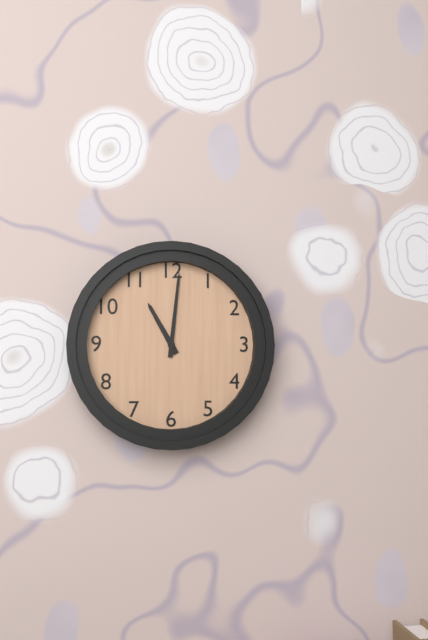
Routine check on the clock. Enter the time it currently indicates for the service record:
11:01
